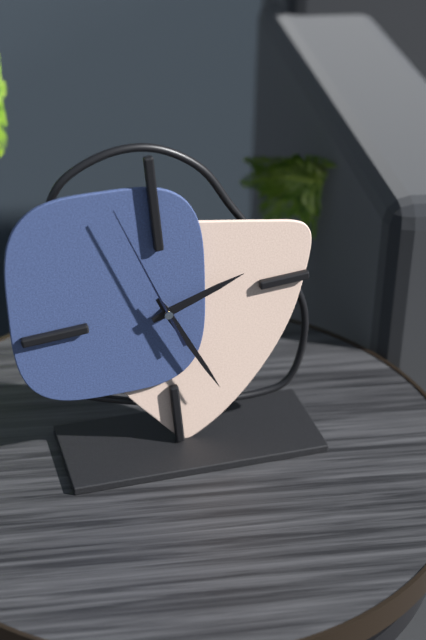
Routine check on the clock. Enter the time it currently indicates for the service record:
2:26:57
